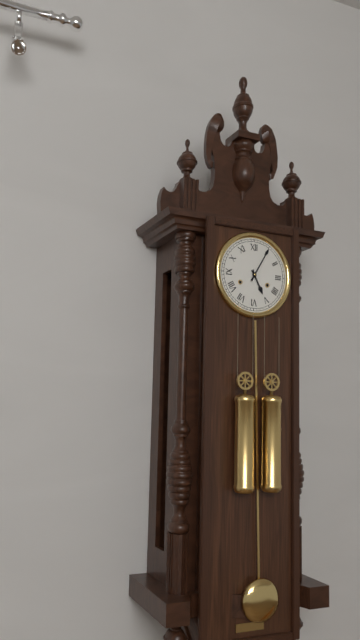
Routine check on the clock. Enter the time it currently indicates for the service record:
5:05
